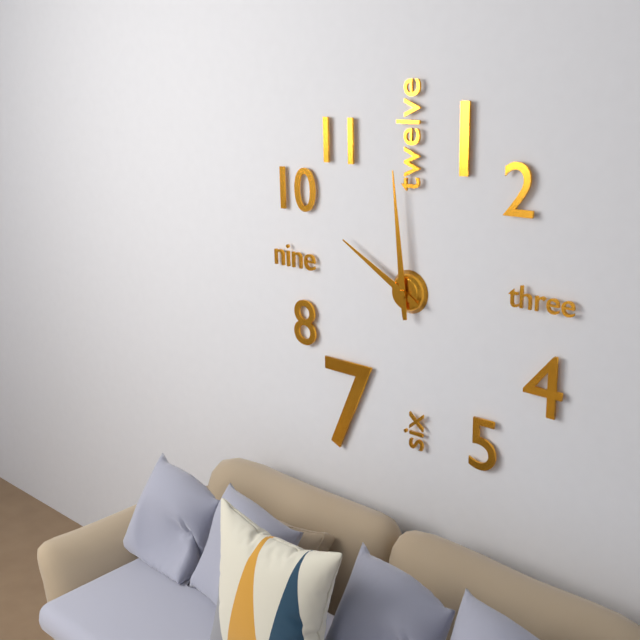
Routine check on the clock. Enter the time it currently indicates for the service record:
9:59
